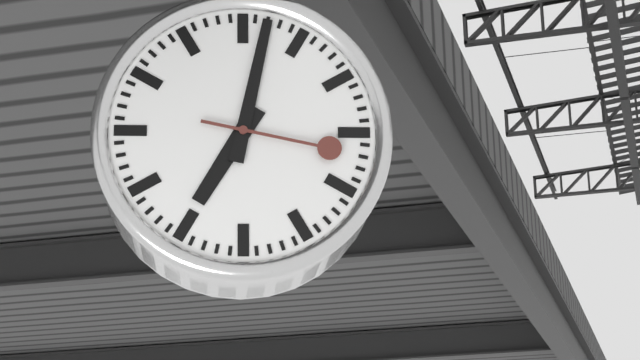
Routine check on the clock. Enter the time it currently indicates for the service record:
7:02:17
